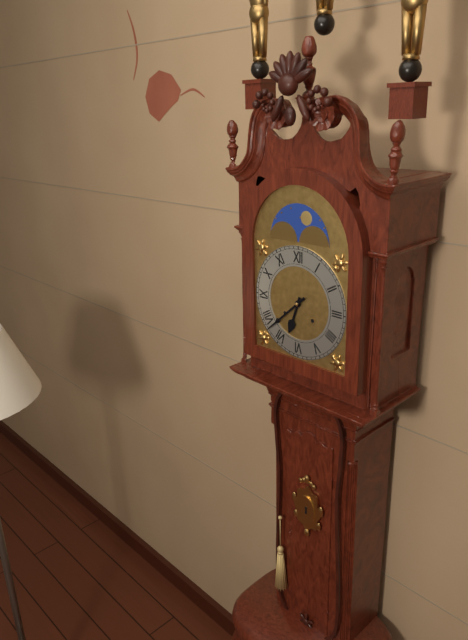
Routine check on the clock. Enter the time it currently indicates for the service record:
6:38
